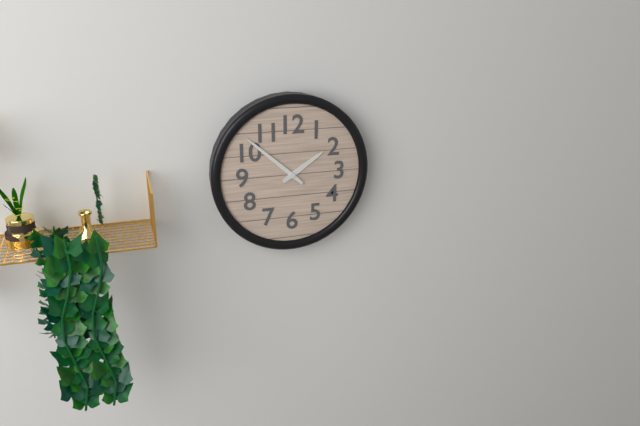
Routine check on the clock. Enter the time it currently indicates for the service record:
1:52
